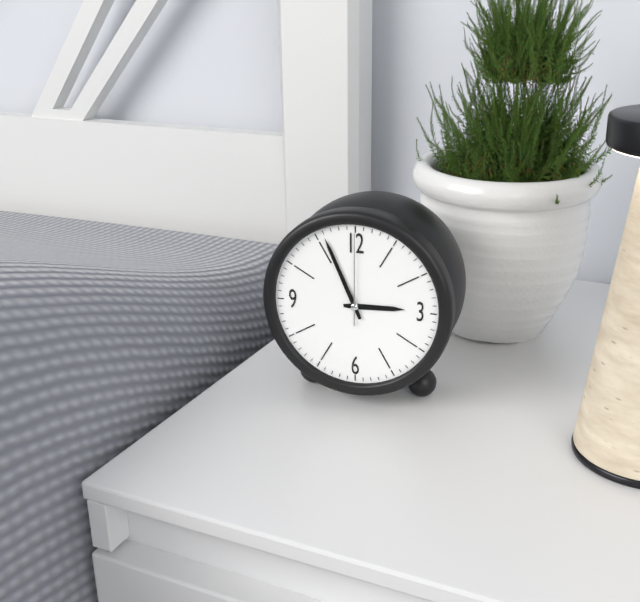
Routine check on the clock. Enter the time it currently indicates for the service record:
2:56:00
